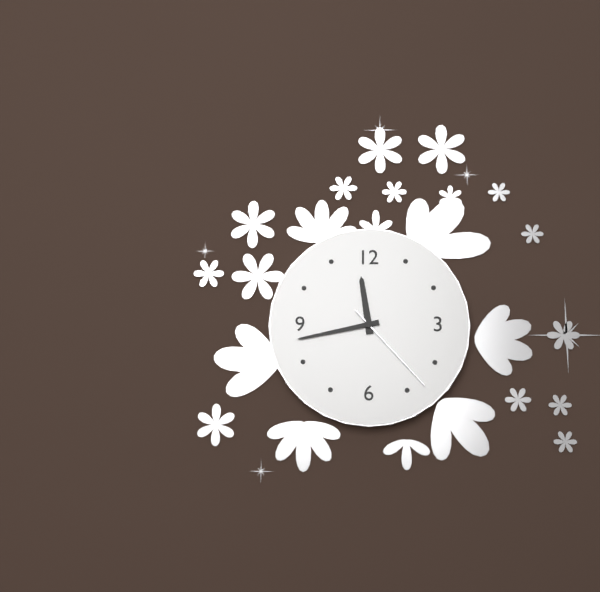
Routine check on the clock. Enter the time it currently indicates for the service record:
11:43:23
